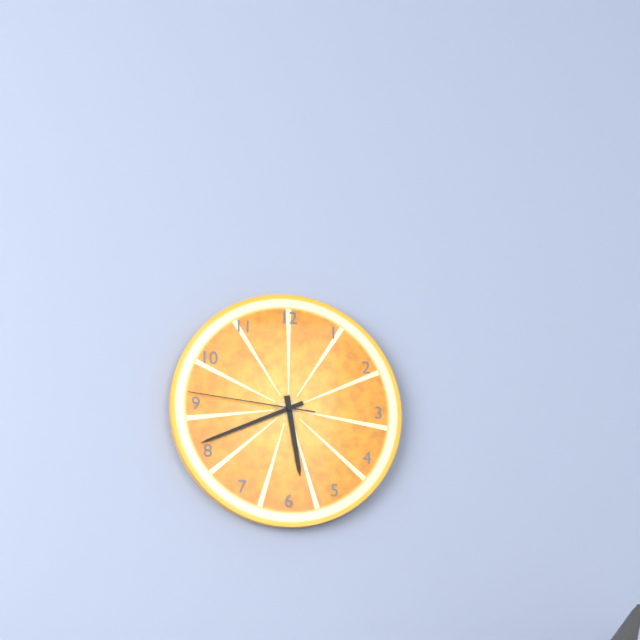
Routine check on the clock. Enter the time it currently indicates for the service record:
5:41:46
